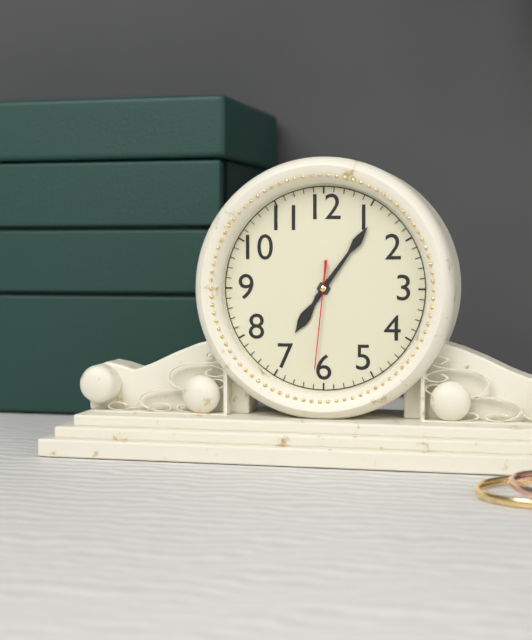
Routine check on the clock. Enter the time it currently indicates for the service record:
7:06:31
